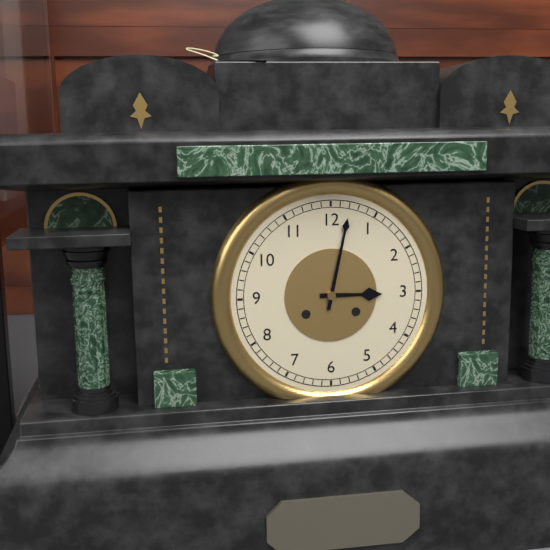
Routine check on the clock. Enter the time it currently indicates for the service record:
3:02
